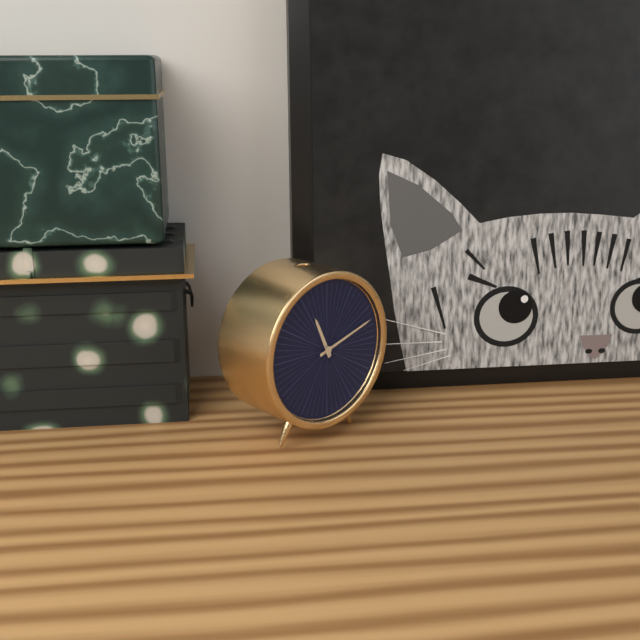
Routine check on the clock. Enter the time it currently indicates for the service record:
11:12
